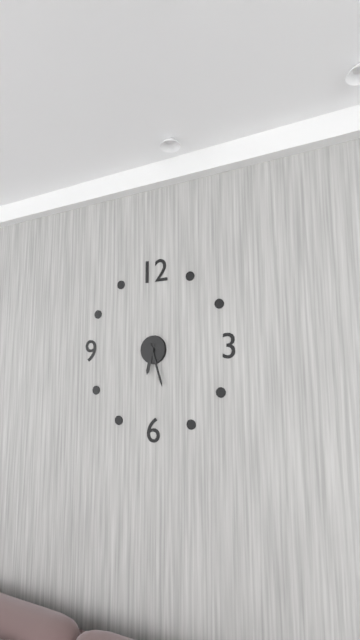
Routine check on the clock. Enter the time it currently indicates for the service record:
6:27
